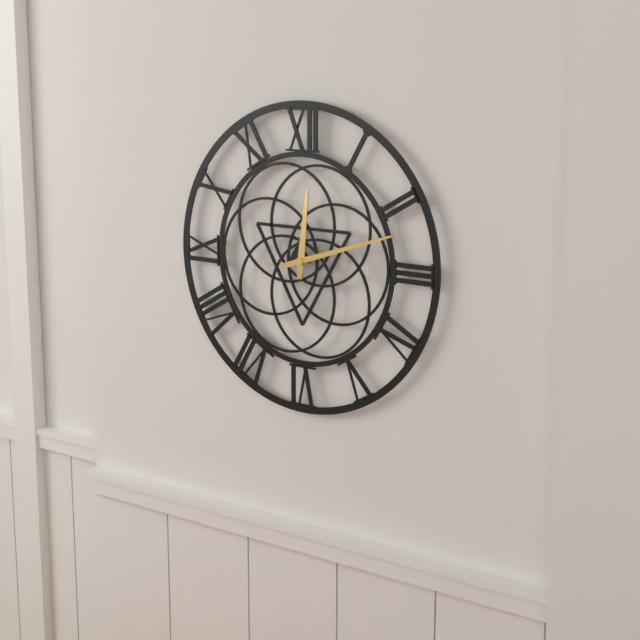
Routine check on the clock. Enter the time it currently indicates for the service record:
12:12
